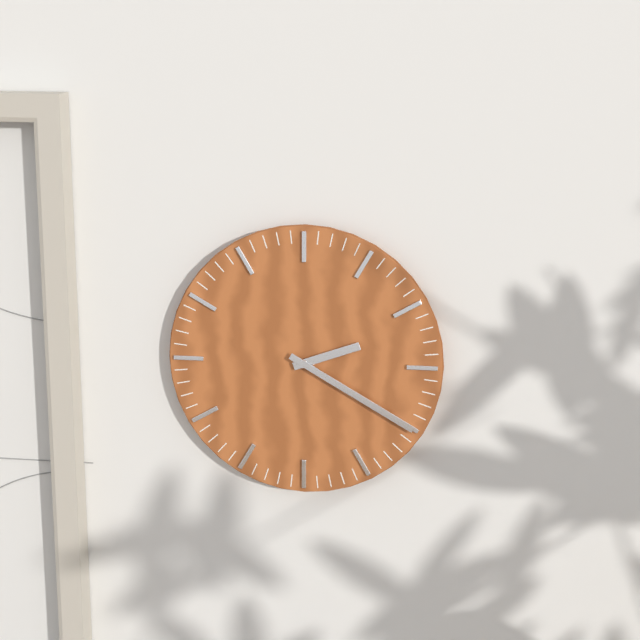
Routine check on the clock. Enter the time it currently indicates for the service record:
2:20
